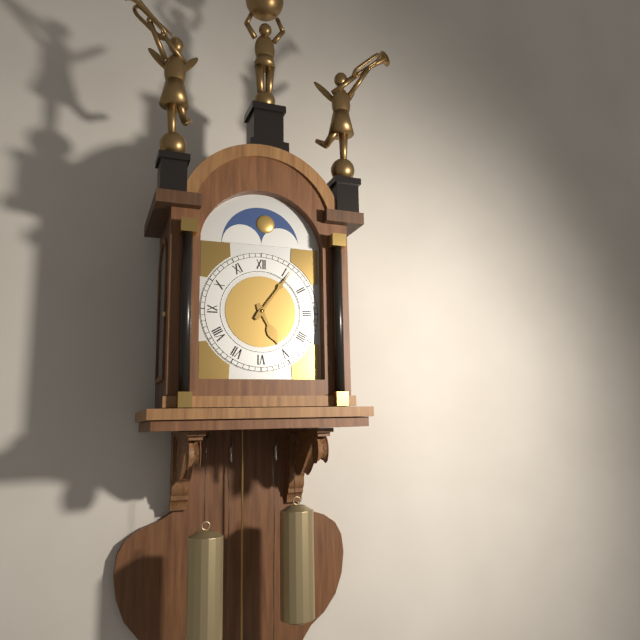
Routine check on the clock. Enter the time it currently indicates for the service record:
5:06
